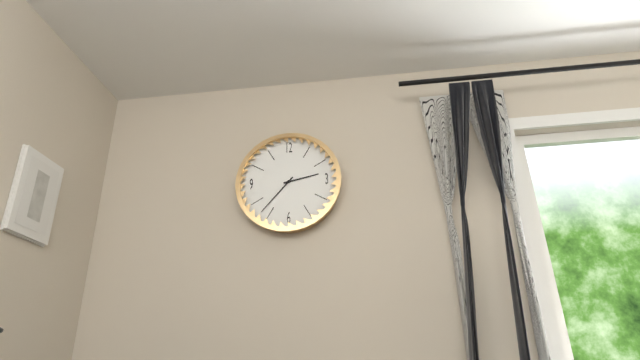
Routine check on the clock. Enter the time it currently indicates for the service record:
2:37
